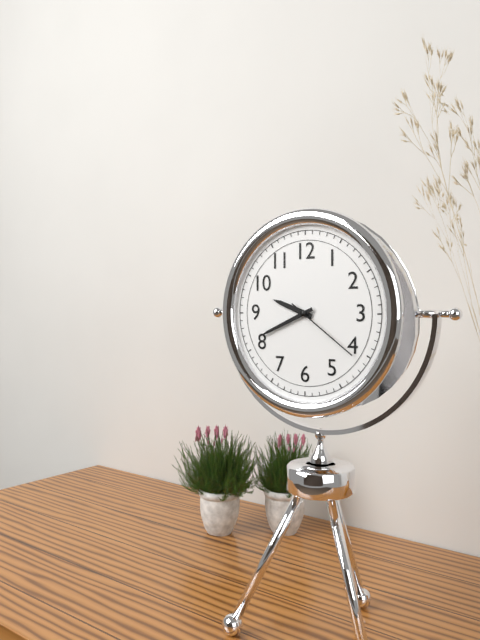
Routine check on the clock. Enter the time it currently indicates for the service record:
9:41:21
